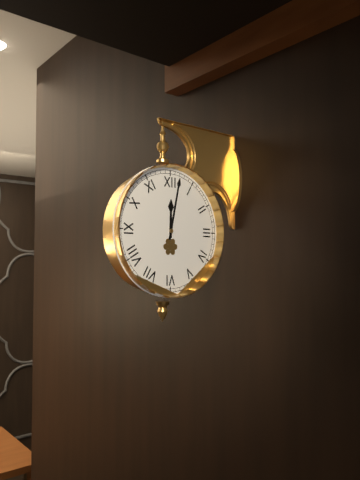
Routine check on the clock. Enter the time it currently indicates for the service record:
12:02
